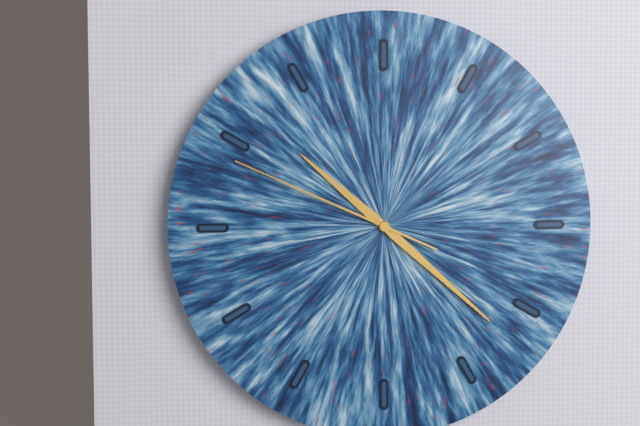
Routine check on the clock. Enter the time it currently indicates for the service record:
10:22:49
